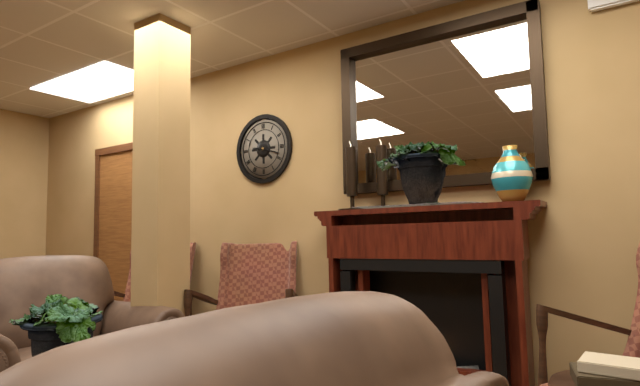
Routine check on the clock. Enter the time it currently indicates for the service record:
9:18
